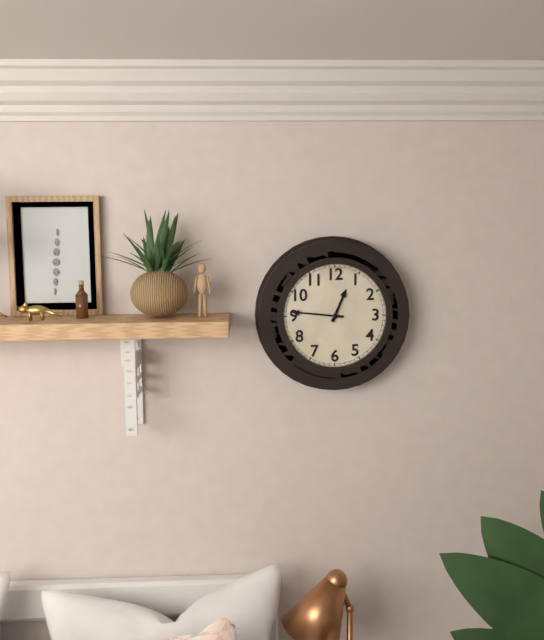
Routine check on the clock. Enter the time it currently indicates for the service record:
12:46
